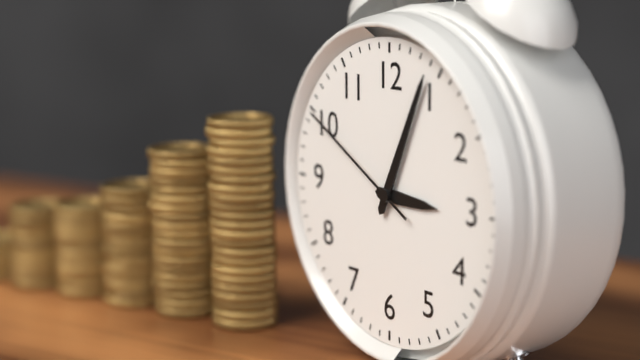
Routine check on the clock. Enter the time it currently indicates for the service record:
3:04:50
